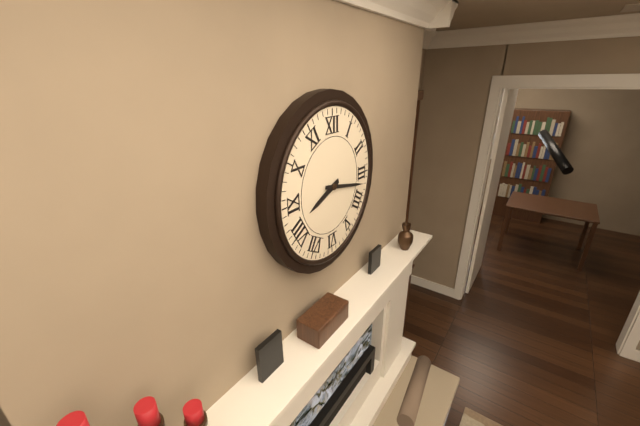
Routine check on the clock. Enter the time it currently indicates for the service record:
8:17
